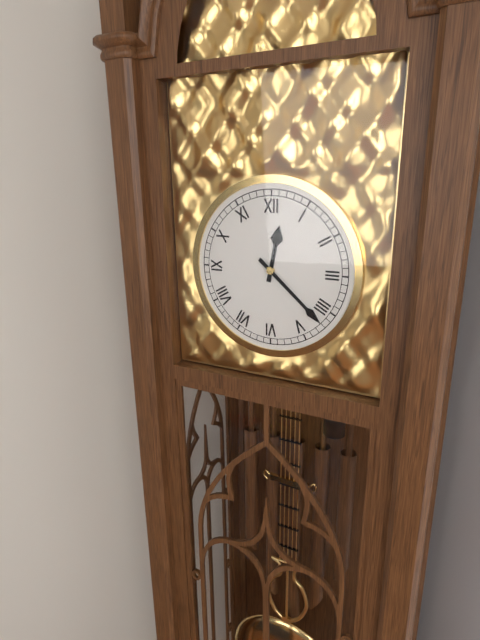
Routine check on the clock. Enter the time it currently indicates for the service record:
12:22
